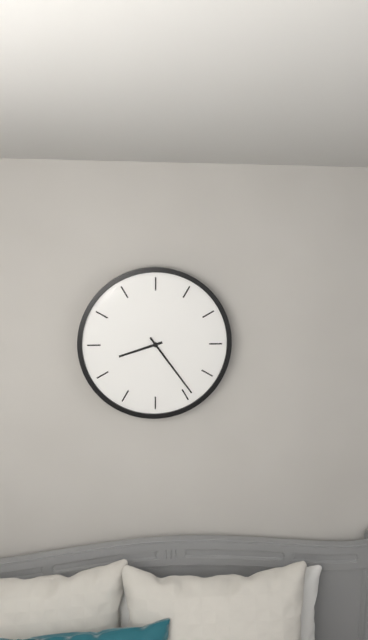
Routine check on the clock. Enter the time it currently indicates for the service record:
8:24
